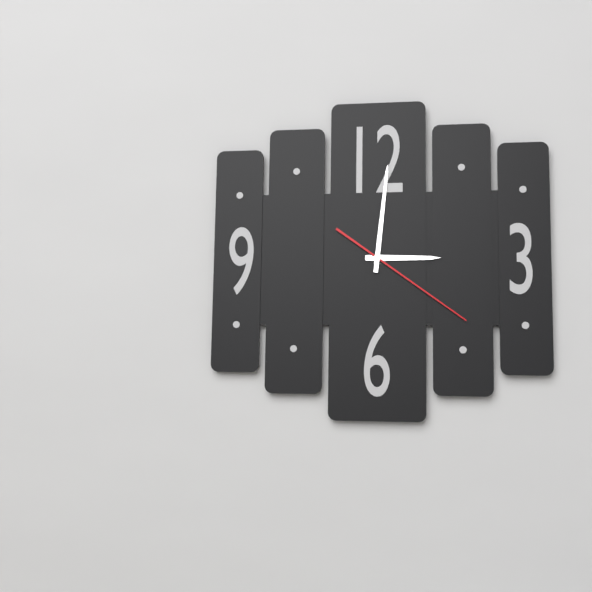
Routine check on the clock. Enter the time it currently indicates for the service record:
3:01:21
